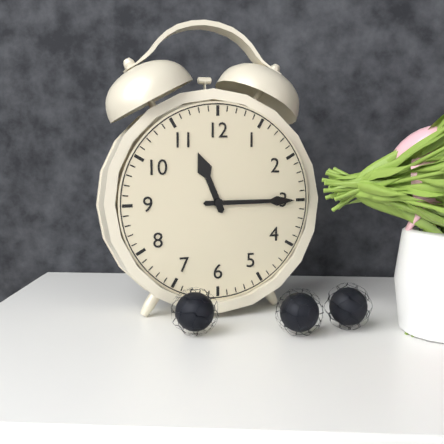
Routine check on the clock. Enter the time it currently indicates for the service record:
11:15
